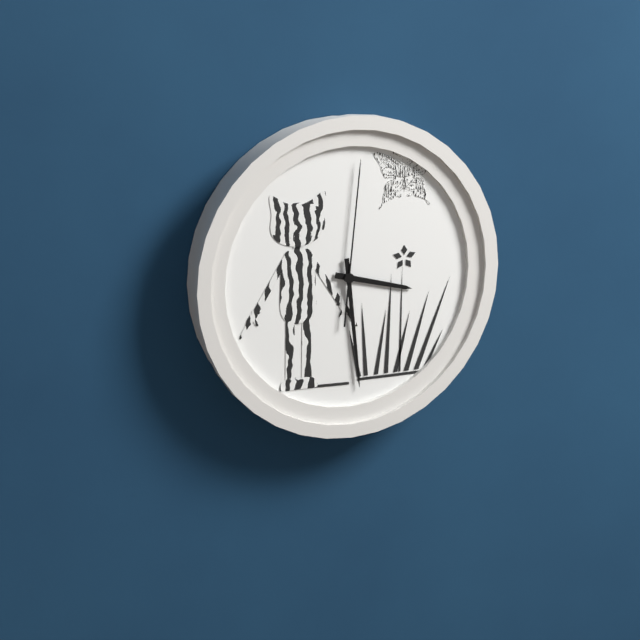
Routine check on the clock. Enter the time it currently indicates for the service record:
3:29:01
